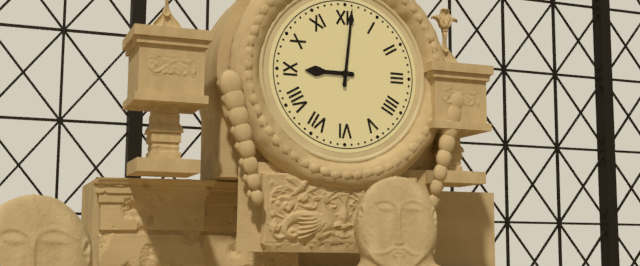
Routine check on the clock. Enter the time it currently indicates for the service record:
9:01
